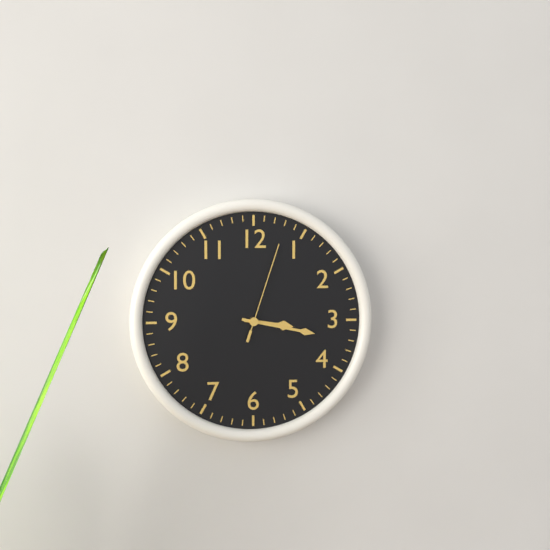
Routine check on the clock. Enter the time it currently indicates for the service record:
3:17:03
